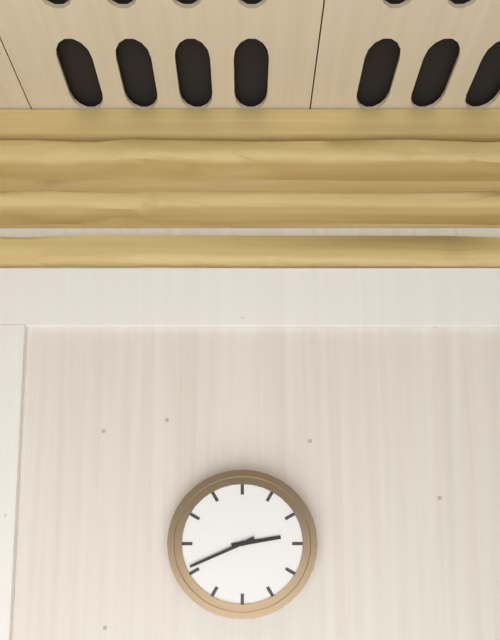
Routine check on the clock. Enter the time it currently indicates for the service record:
2:41
